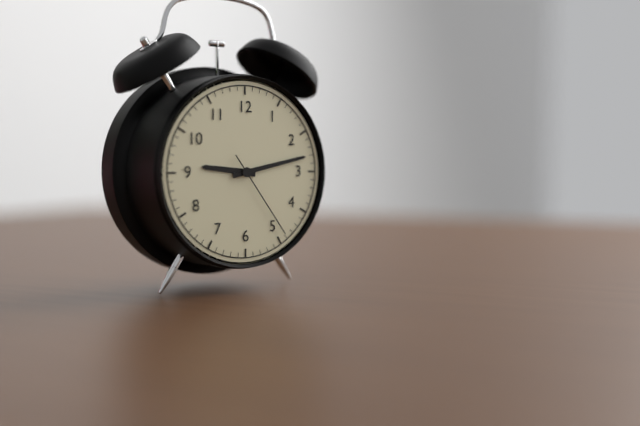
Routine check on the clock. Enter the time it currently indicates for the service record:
9:13:24
